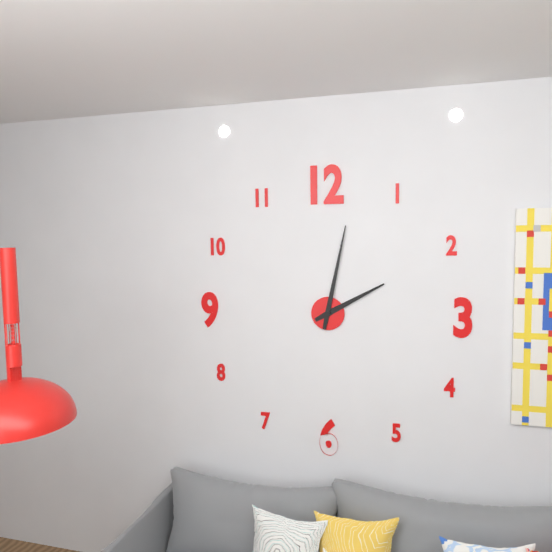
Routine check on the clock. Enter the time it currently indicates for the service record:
2:02
